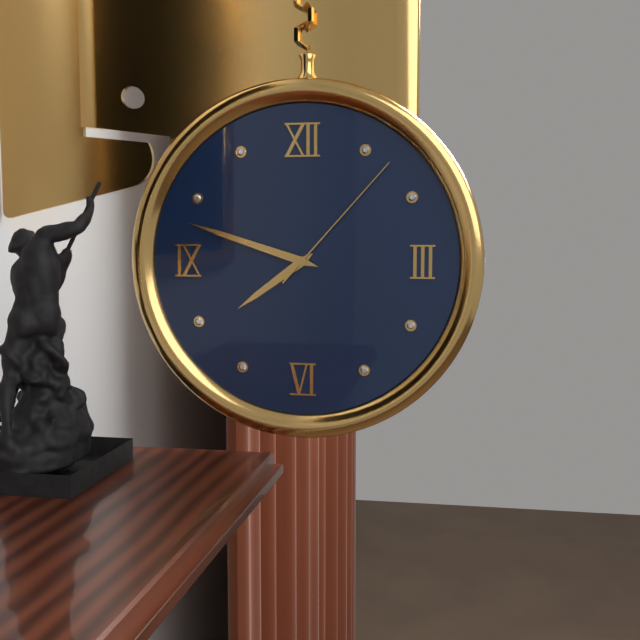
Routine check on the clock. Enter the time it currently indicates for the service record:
7:48:07
